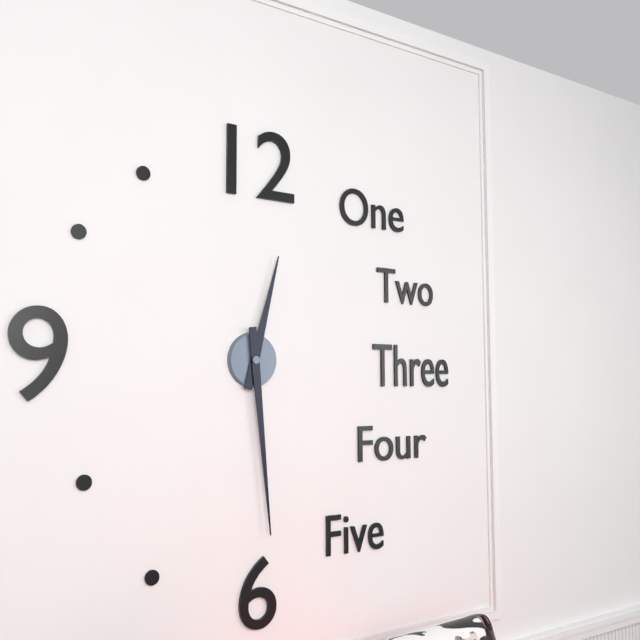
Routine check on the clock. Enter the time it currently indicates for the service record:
12:29
